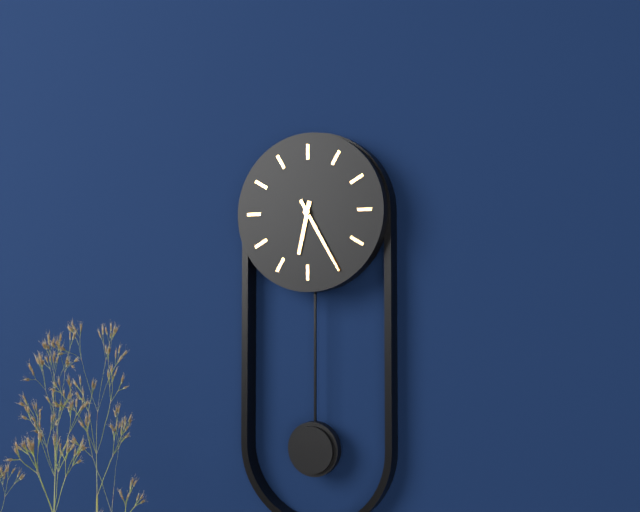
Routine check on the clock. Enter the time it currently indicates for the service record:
6:25
